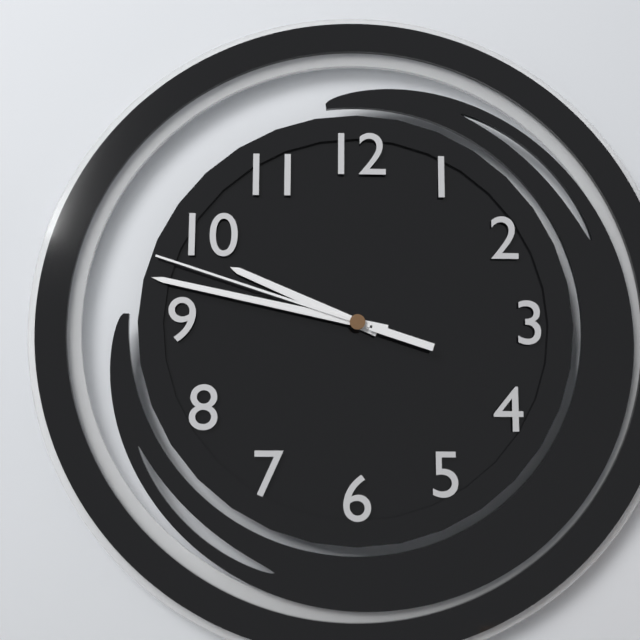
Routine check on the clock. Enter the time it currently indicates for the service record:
9:47:48
